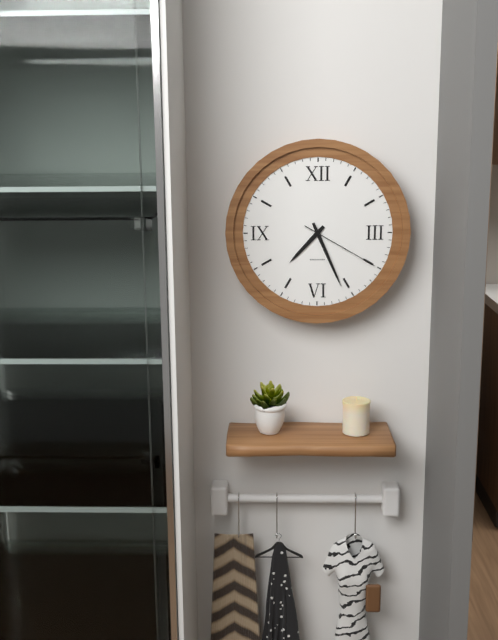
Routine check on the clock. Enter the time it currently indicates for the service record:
7:26:20
